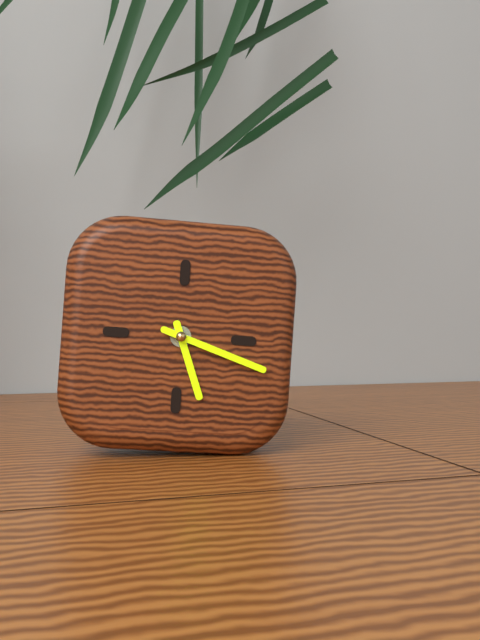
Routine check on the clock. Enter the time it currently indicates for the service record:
5:18
